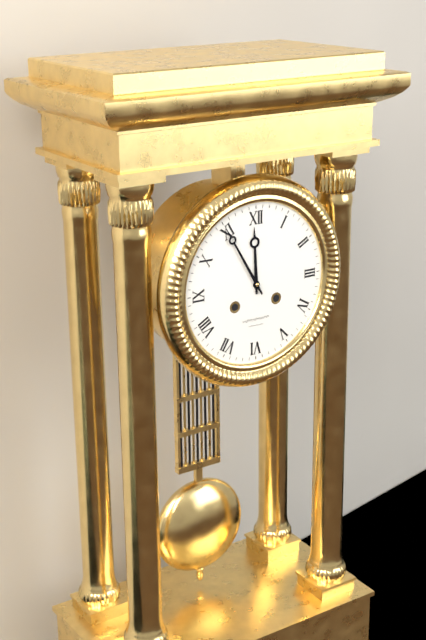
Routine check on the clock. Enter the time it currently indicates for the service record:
11:55
